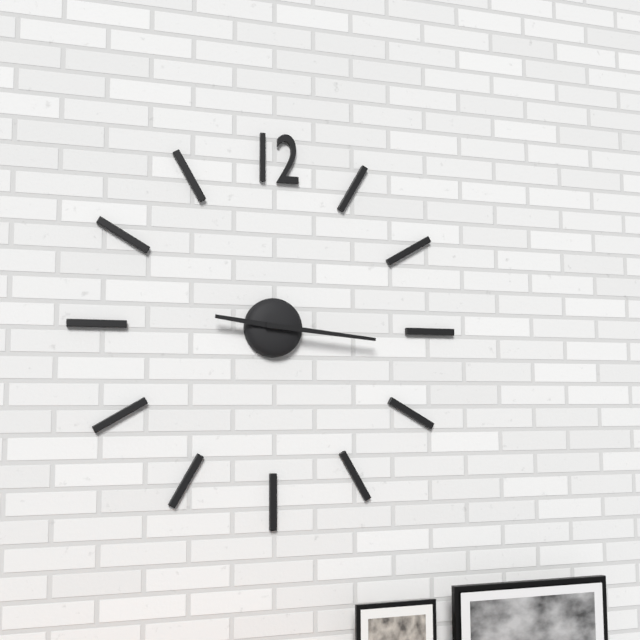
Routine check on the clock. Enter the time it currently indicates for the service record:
9:16
